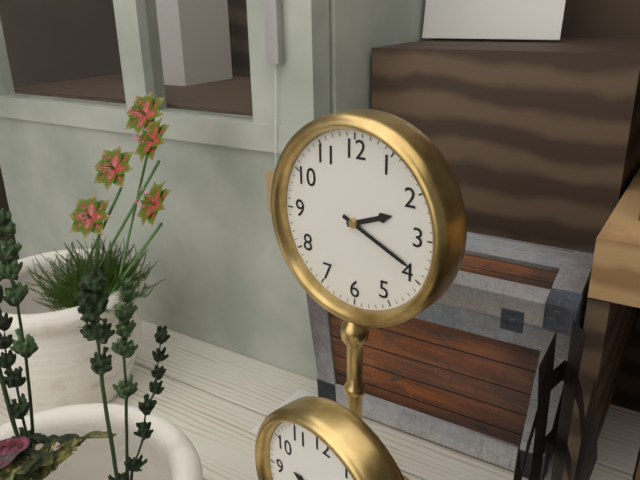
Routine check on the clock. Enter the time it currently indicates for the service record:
2:19
